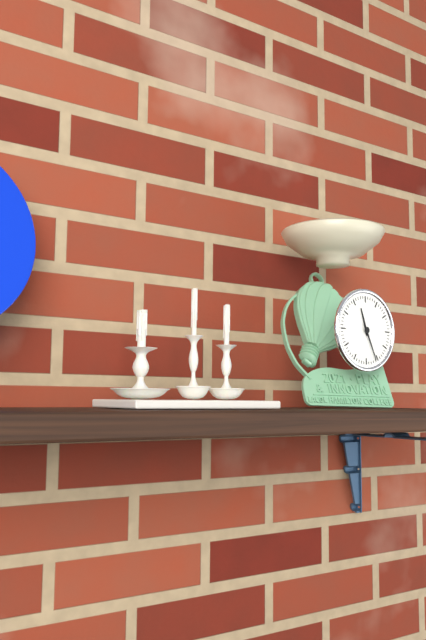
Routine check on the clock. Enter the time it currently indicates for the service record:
11:26
